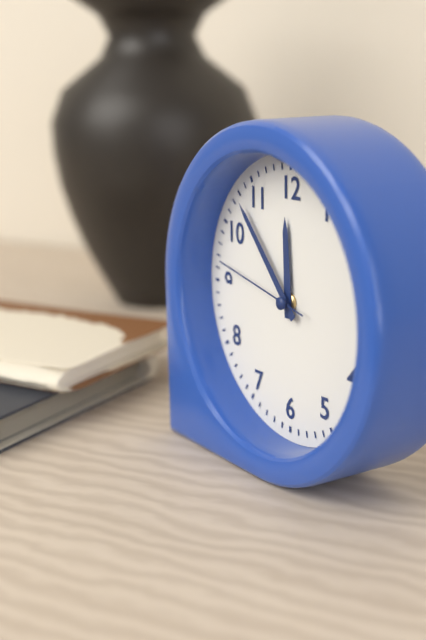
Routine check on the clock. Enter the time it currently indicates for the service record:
11:53:47
